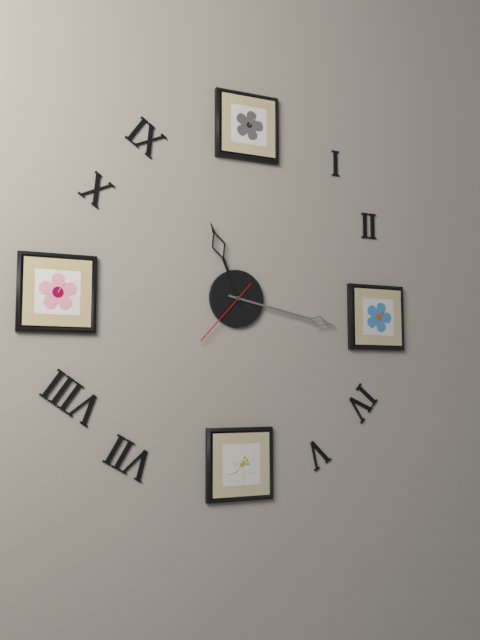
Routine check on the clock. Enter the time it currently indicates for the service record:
11:17:37
